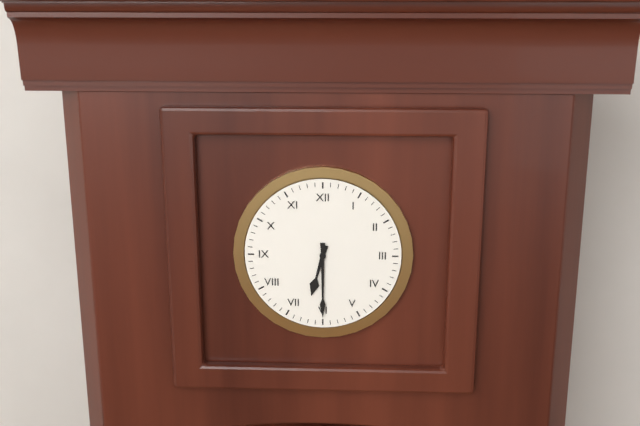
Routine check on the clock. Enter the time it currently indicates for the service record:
6:30
